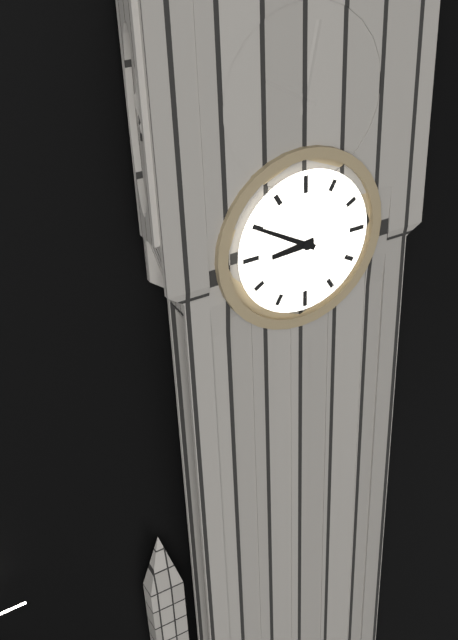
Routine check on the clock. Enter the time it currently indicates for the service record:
8:50
